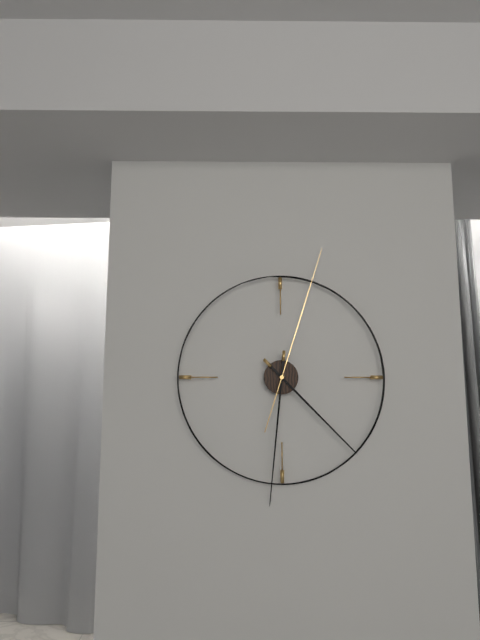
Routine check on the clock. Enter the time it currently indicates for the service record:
4:31:03
